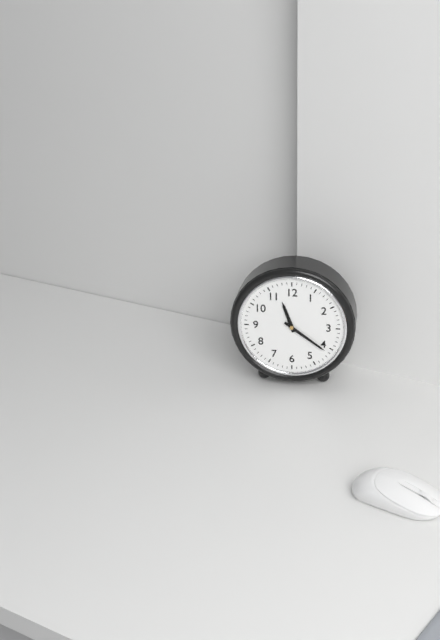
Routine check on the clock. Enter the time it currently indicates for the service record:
11:21
